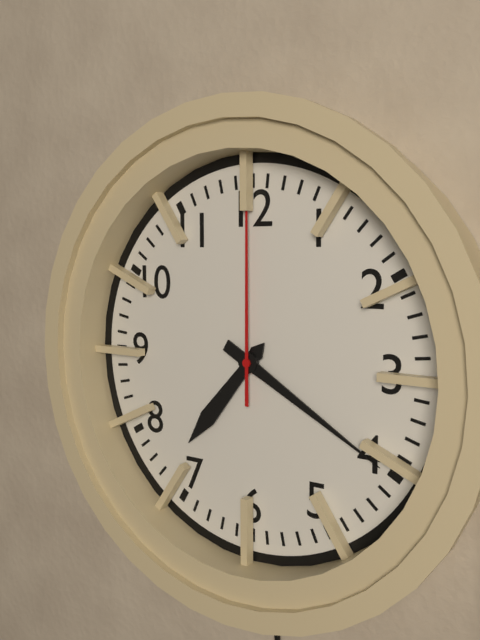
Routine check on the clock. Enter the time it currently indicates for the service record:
7:20:00
